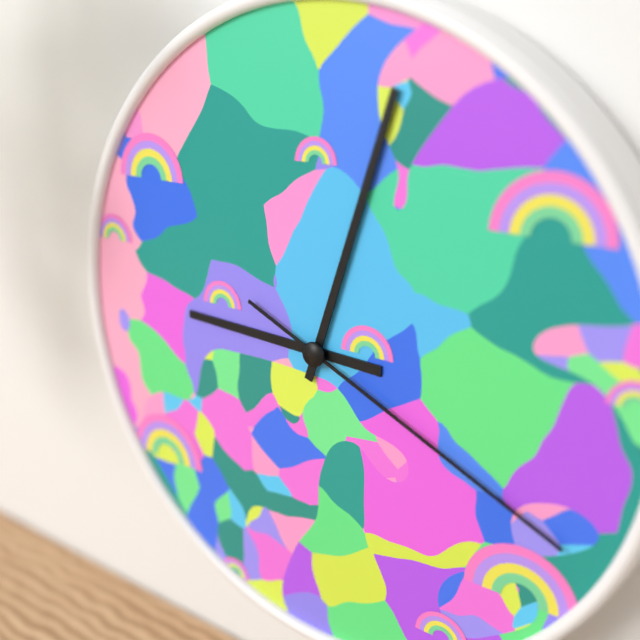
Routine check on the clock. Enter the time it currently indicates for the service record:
9:03:19
